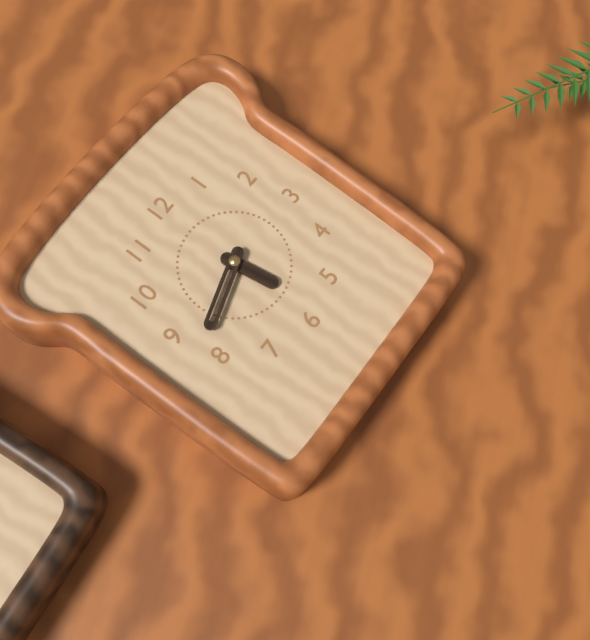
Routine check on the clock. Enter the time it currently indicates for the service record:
5:42
